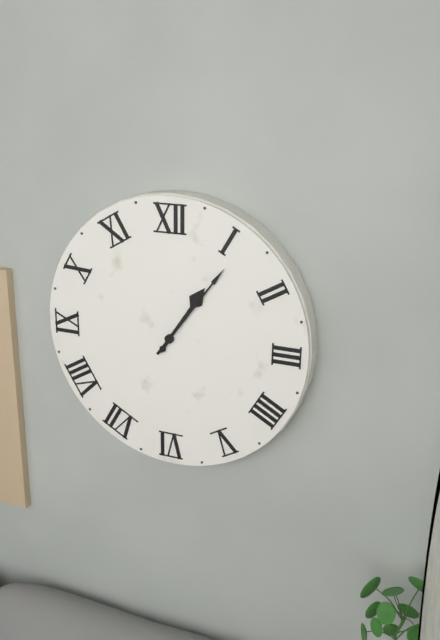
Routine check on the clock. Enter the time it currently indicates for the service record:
1:06
